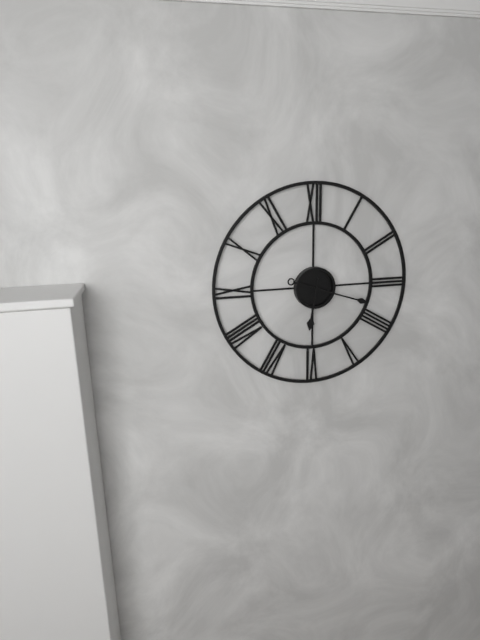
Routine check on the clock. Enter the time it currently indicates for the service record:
6:18
